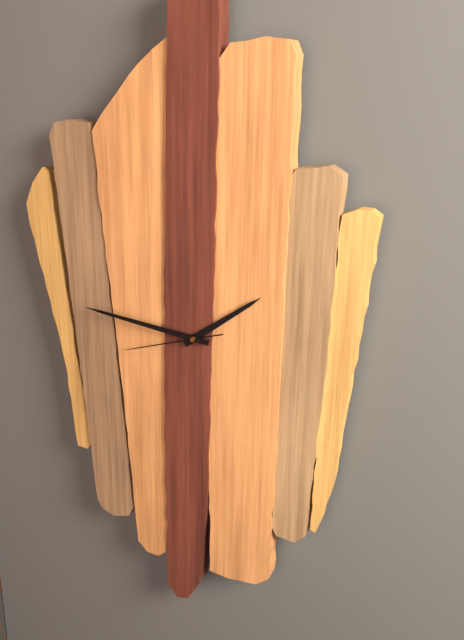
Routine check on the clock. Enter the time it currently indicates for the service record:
1:46:42
